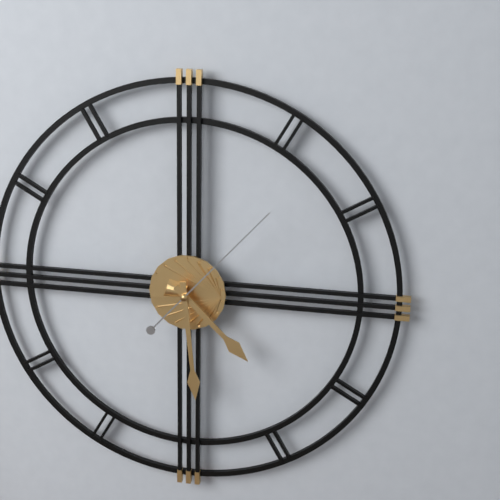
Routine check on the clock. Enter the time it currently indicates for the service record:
4:29:07
